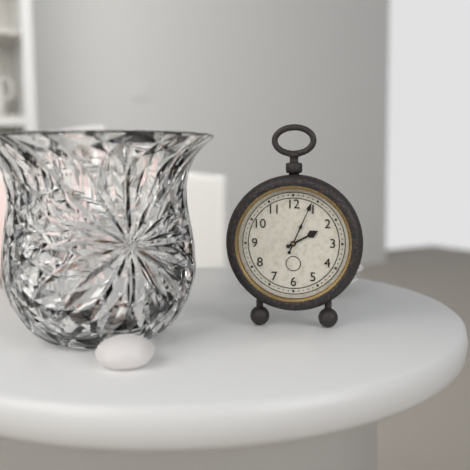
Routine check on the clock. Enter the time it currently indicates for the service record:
2:04
